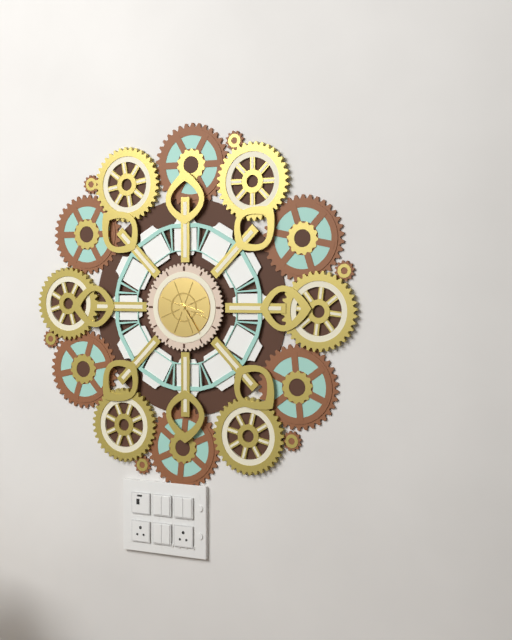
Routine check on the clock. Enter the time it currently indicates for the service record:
3:24
